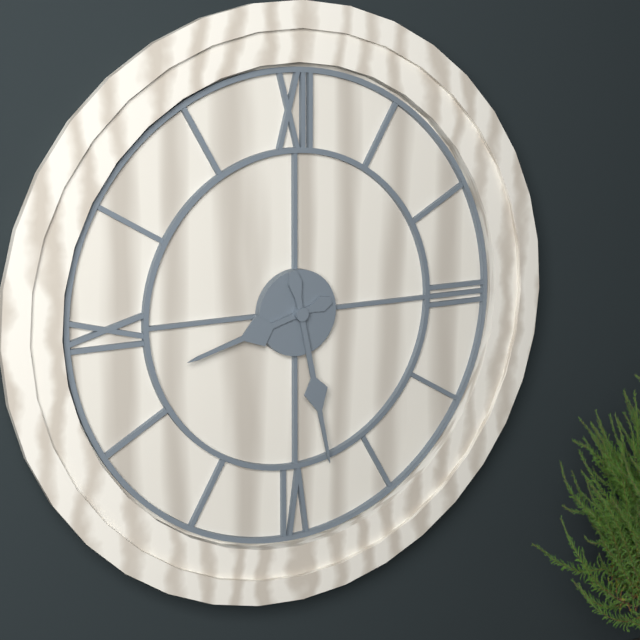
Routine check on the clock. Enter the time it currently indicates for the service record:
8:28
